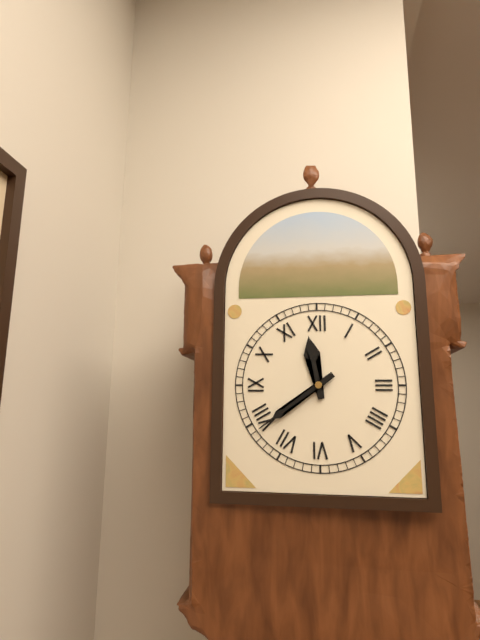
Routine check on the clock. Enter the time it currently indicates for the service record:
11:39
